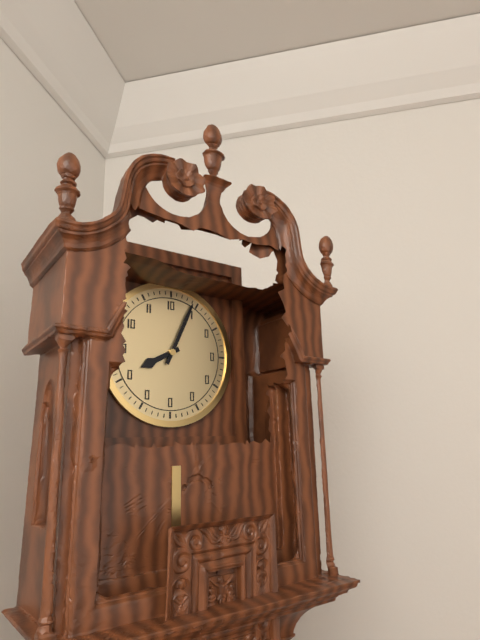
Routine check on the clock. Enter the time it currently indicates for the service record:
8:04
